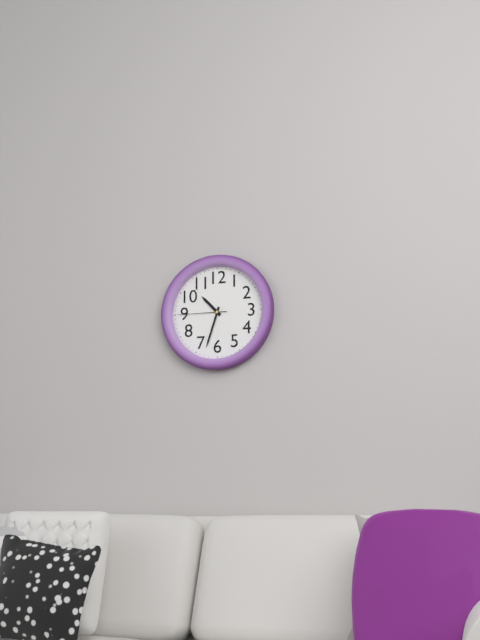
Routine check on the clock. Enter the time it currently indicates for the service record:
10:33:45
